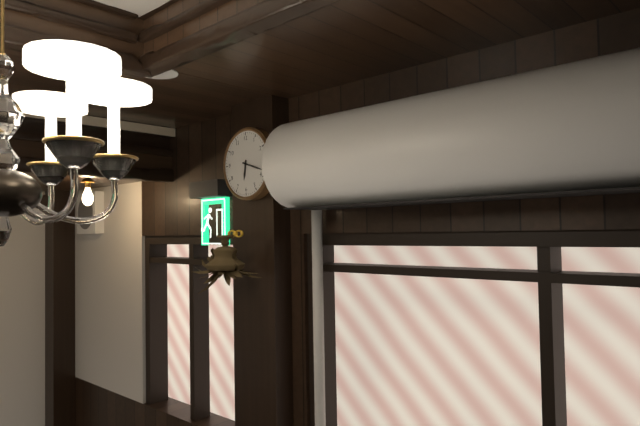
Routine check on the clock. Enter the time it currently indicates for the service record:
6:18
